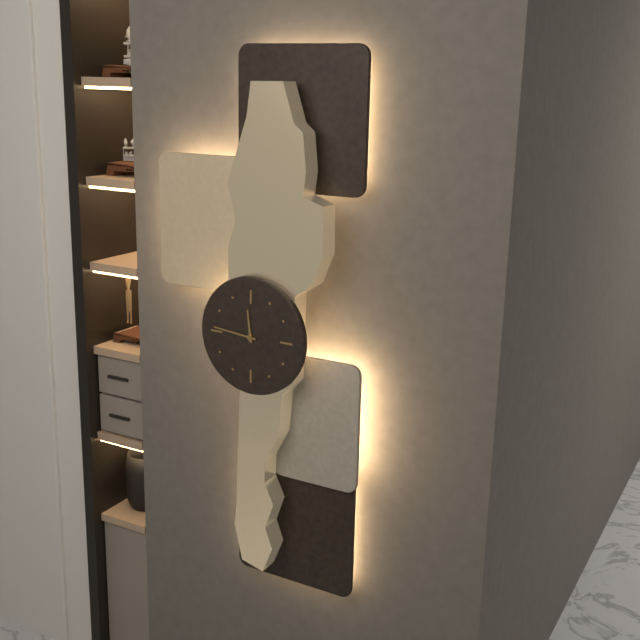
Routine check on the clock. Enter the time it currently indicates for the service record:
11:46
